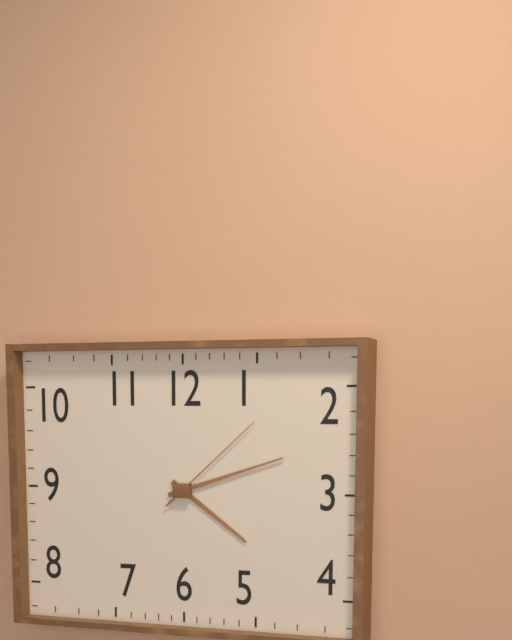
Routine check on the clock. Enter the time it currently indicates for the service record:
4:12:08
